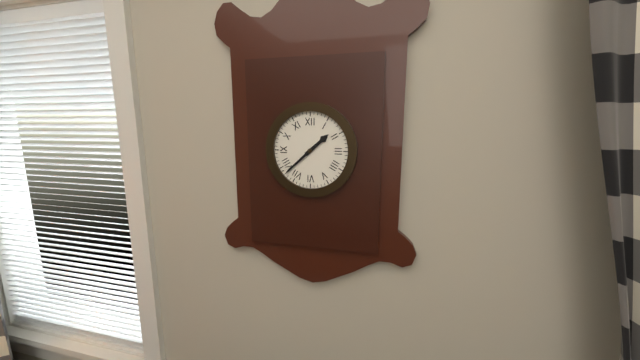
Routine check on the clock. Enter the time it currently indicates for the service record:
1:38
